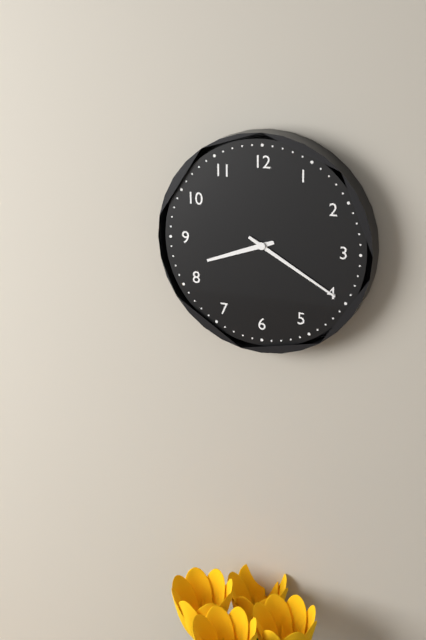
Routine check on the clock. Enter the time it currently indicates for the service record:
8:20
